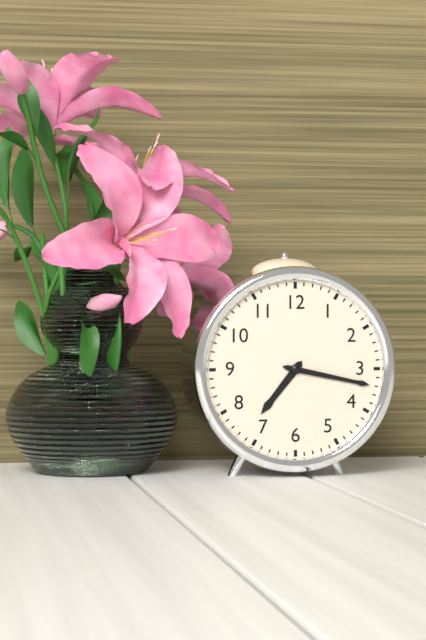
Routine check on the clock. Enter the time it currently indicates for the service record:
7:17
